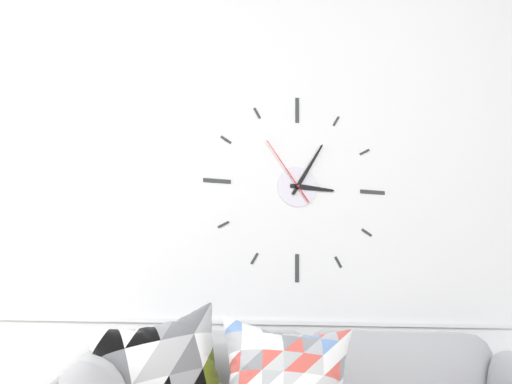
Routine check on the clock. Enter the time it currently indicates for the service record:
3:05:54
